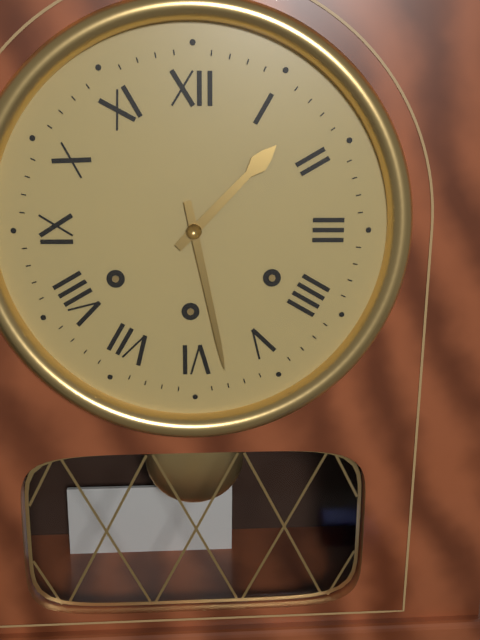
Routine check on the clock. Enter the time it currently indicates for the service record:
1:28
